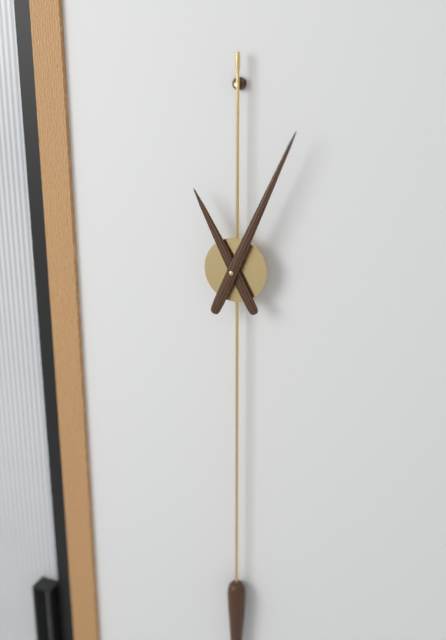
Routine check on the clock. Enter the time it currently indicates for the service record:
11:04
